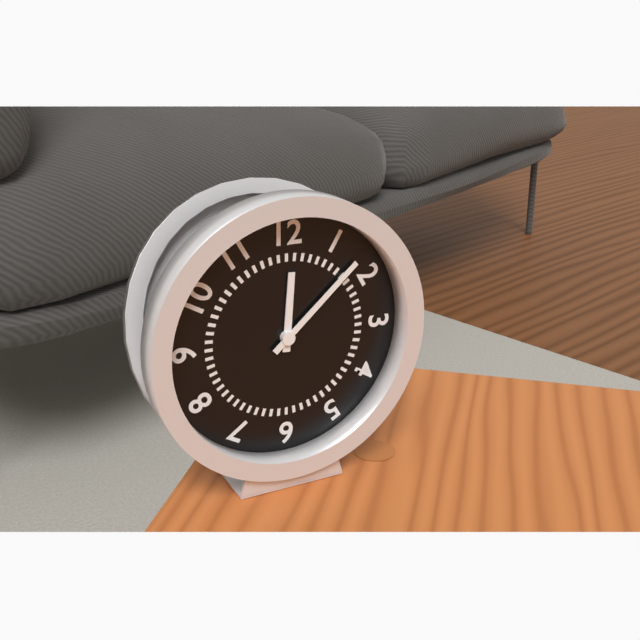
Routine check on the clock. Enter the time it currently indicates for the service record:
12:08
